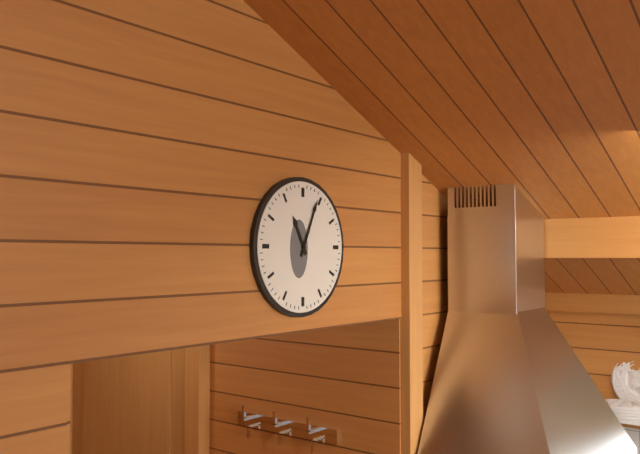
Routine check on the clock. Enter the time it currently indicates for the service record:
11:04
